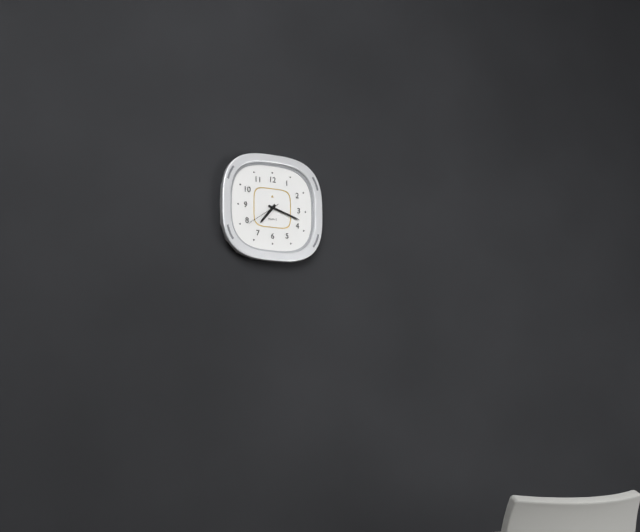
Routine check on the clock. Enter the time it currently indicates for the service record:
7:18
